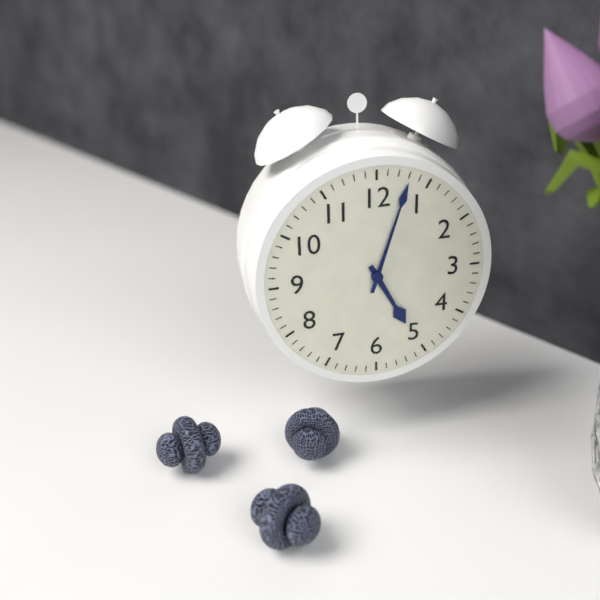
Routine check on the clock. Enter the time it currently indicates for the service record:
5:03
